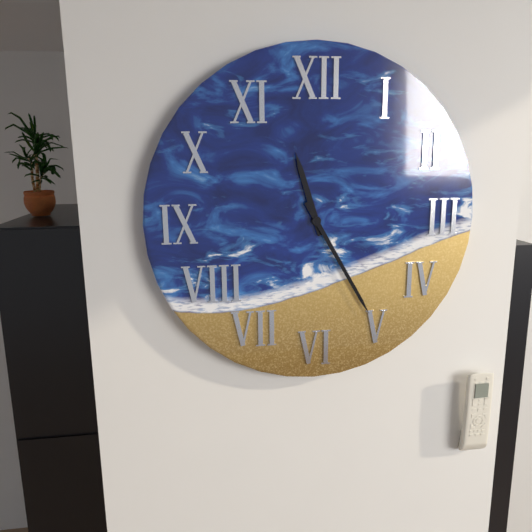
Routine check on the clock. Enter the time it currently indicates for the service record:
11:25
